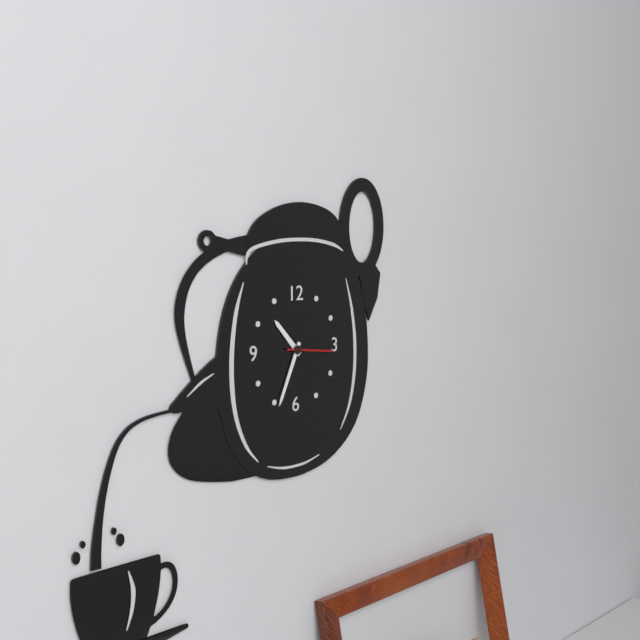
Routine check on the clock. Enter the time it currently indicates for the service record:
10:34
